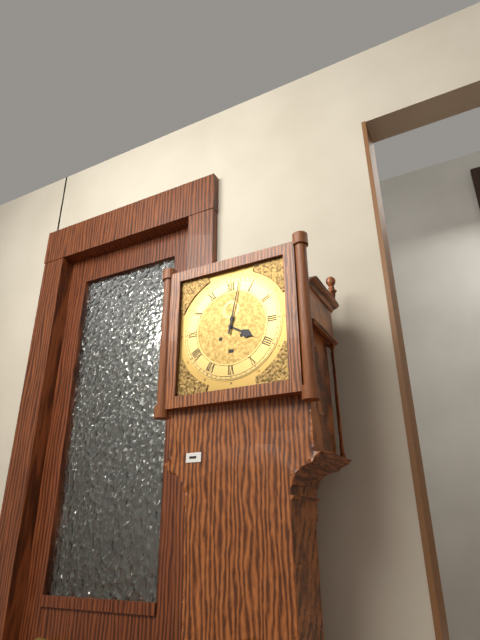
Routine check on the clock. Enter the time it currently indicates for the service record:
4:02
